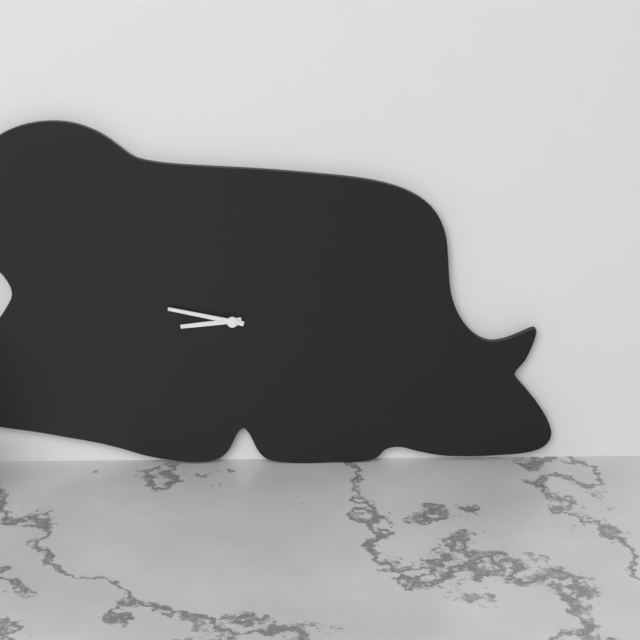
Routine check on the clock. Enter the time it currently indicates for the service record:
8:47
